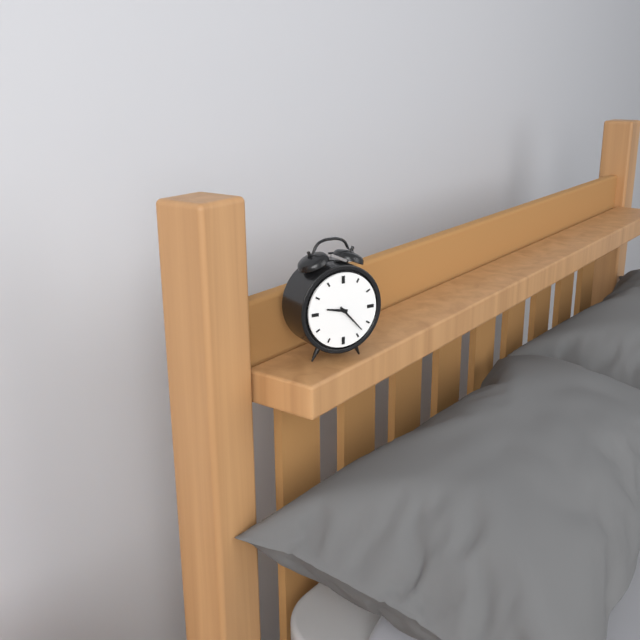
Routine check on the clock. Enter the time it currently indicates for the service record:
9:23
